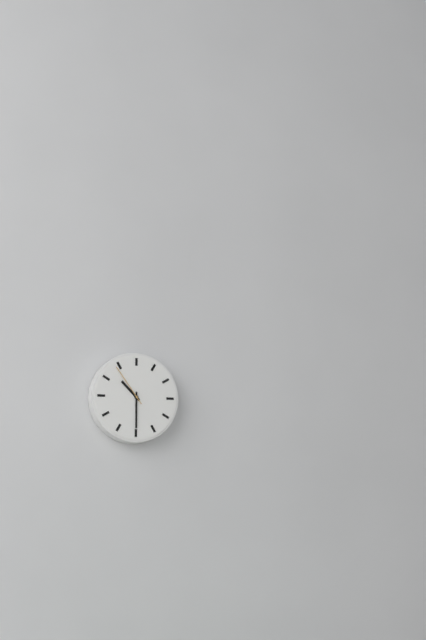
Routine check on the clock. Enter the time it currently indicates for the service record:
10:30
